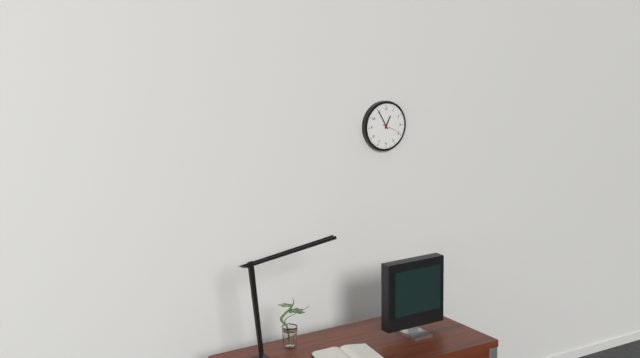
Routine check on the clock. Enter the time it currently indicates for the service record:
12:55
